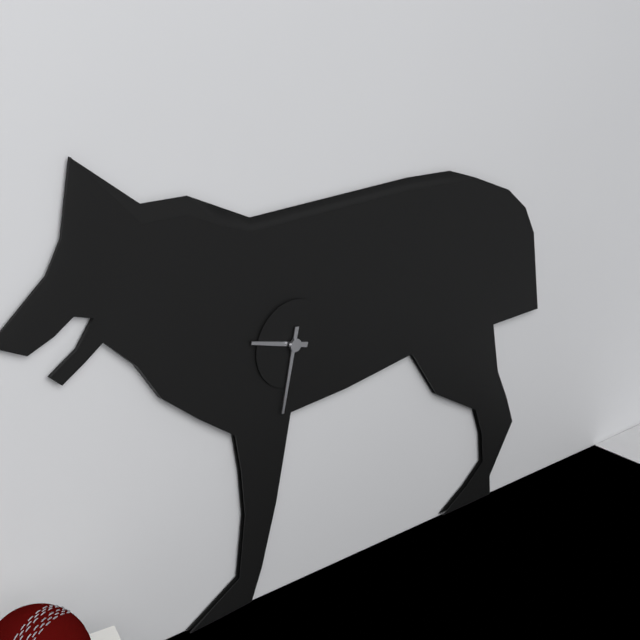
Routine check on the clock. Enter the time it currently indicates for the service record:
9:32
